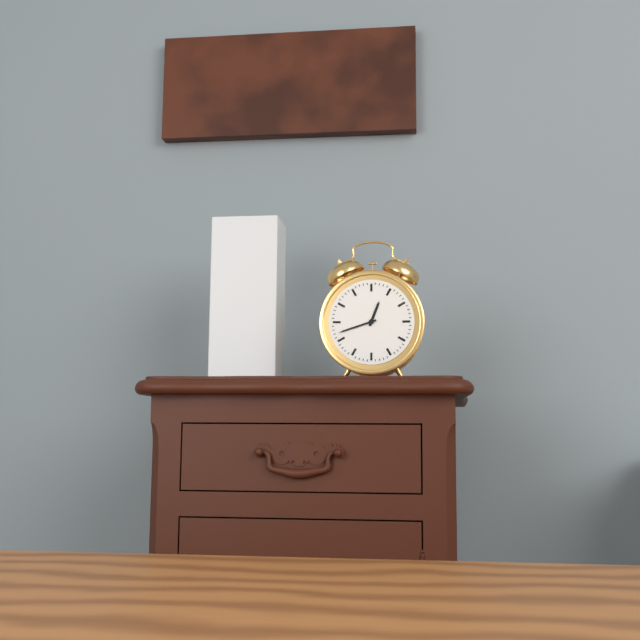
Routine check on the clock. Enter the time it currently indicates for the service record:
12:42
